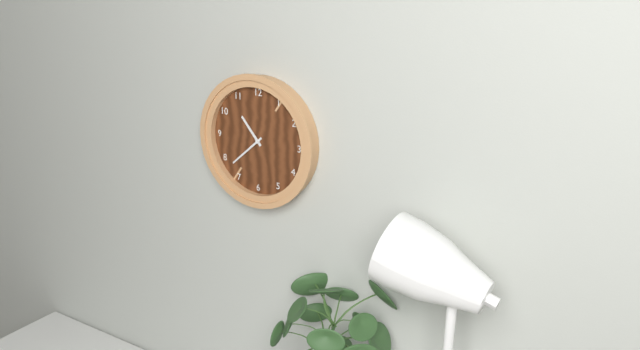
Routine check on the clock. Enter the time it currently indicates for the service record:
10:38
